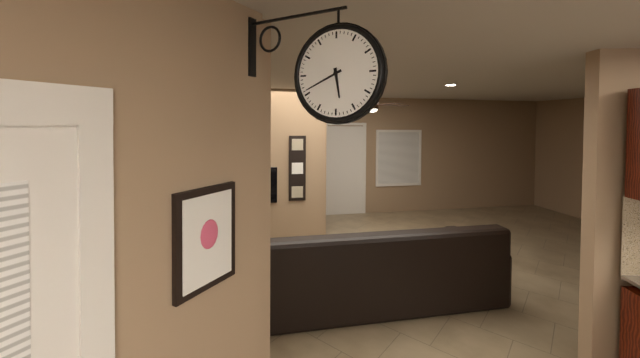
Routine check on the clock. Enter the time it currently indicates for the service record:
5:41
